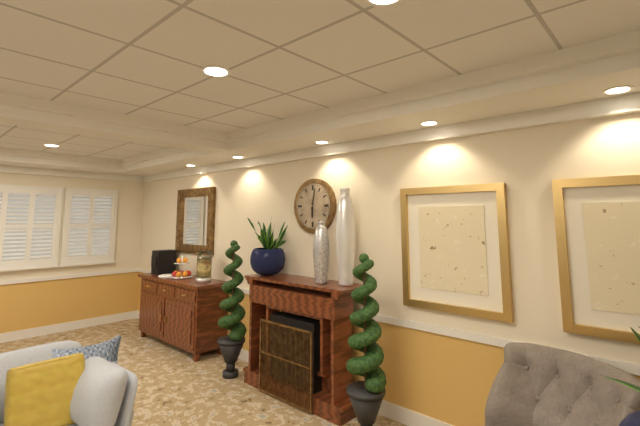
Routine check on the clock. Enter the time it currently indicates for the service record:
6:02
